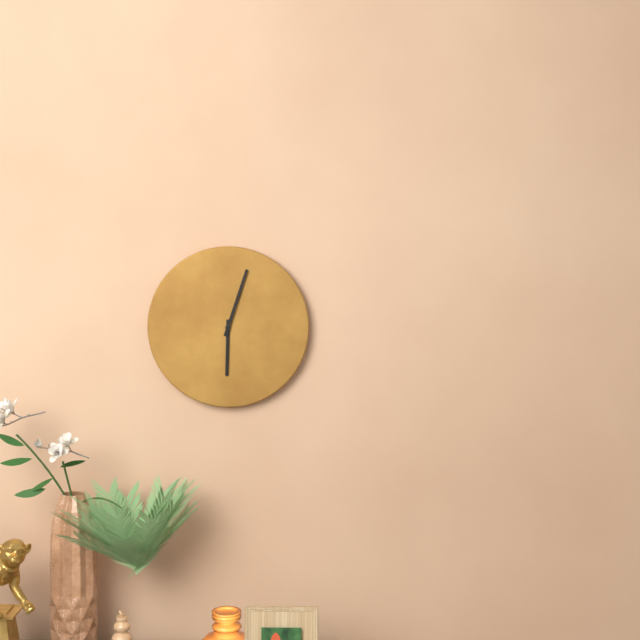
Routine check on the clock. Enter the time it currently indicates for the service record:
6:03
